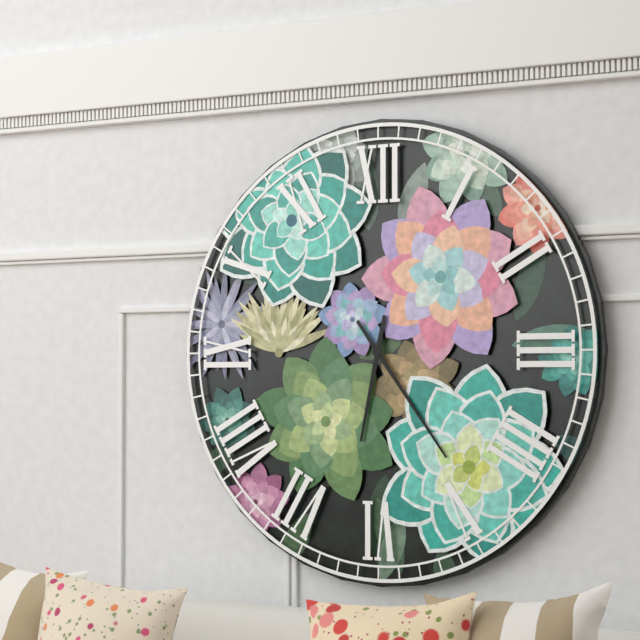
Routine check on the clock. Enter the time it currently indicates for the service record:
6:24
